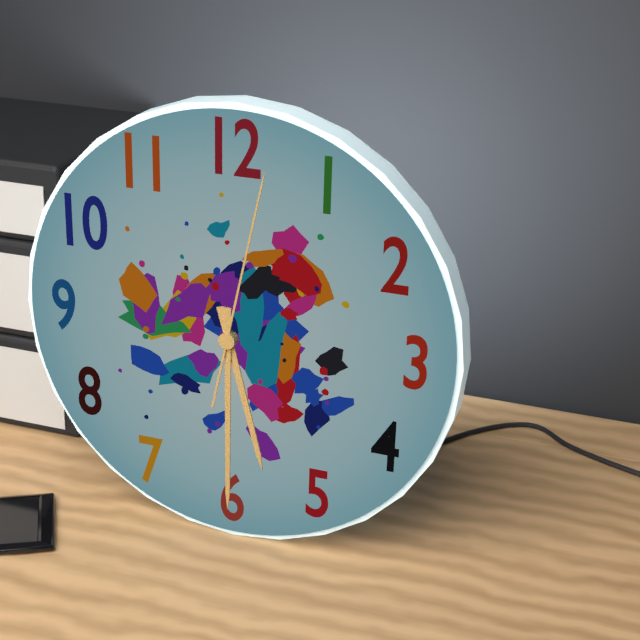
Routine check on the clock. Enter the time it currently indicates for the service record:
5:30:02
